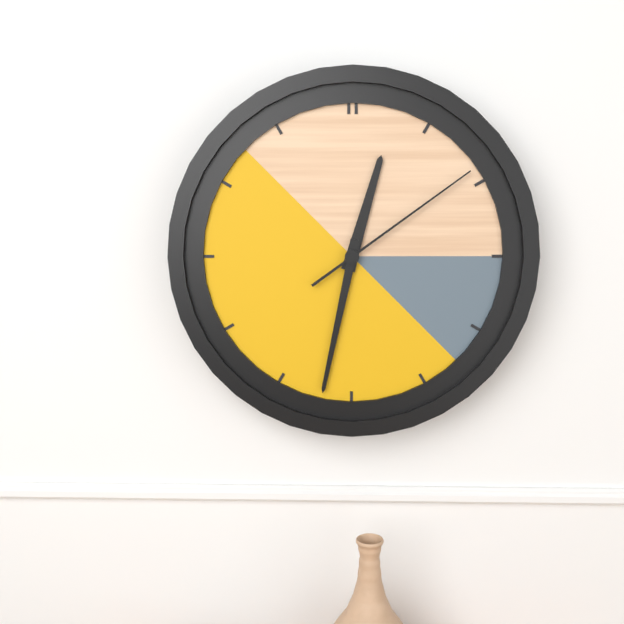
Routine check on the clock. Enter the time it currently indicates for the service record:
12:32:09
